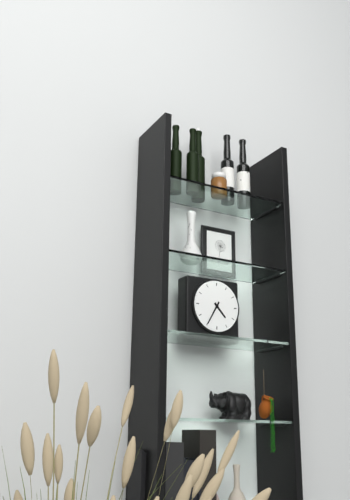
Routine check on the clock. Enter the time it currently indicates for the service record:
4:35
